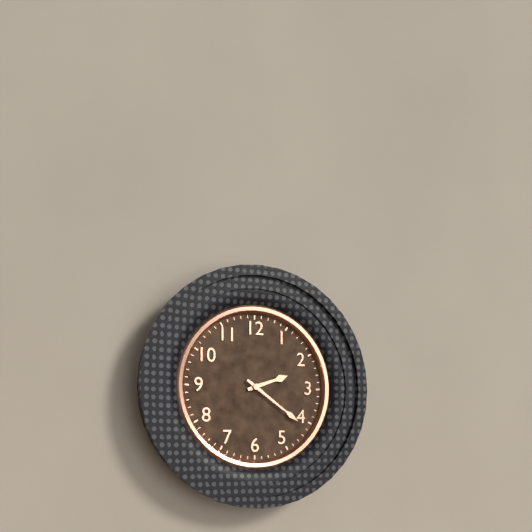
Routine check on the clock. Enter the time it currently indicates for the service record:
2:21
